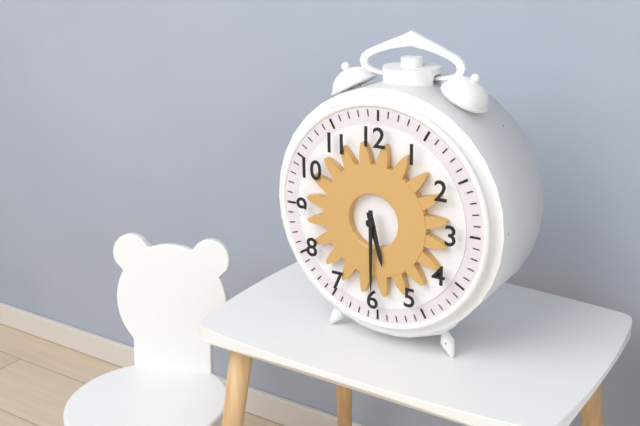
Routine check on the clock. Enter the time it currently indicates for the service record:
5:30
